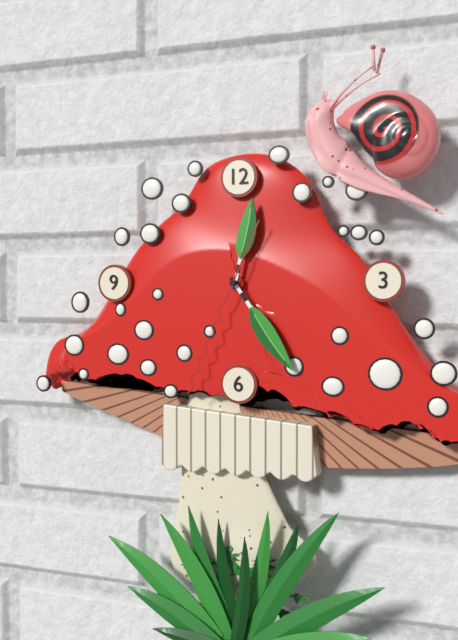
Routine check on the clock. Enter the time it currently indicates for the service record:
12:24:34
